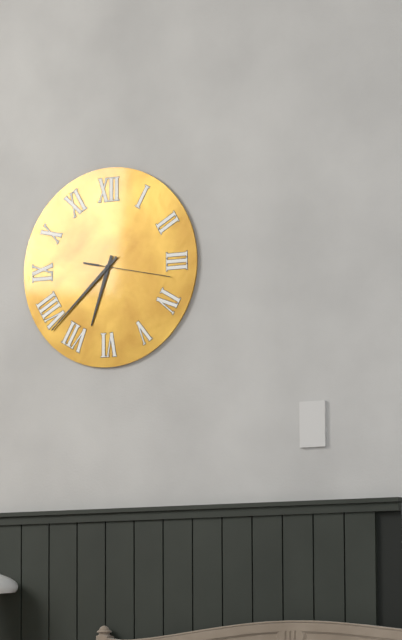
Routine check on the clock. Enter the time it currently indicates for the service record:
6:38:17
